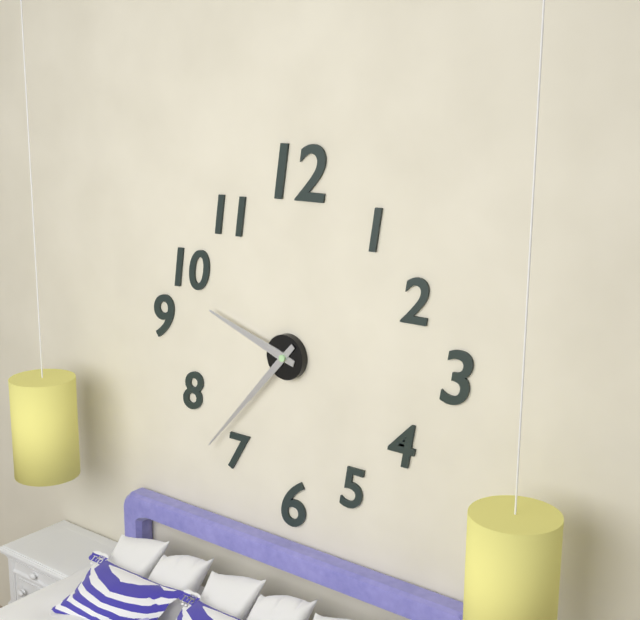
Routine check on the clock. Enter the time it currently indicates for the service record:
9:37
